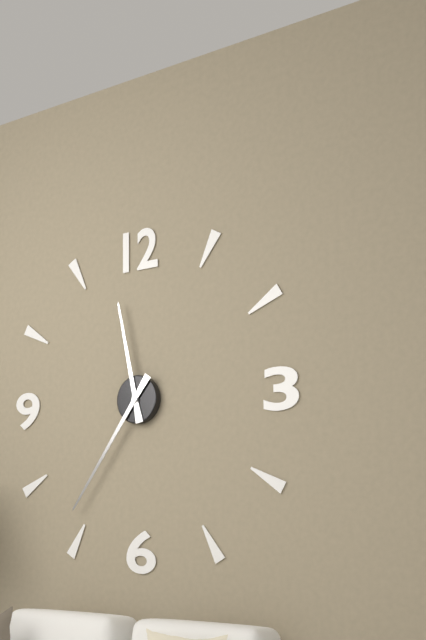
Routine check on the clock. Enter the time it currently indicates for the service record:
11:36
